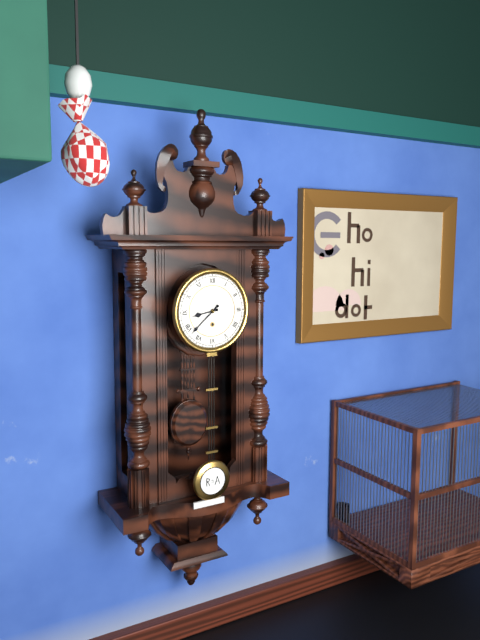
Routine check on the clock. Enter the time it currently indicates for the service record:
8:38
